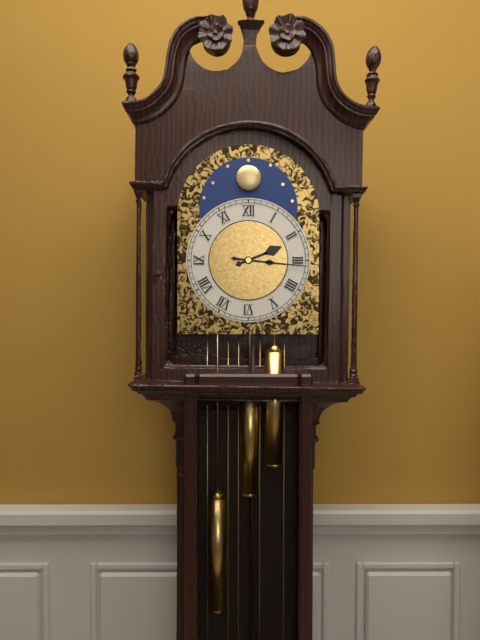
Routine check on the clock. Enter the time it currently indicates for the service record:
2:16
